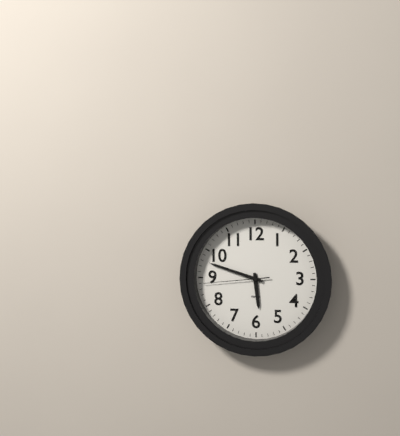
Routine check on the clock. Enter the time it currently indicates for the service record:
5:48:44
